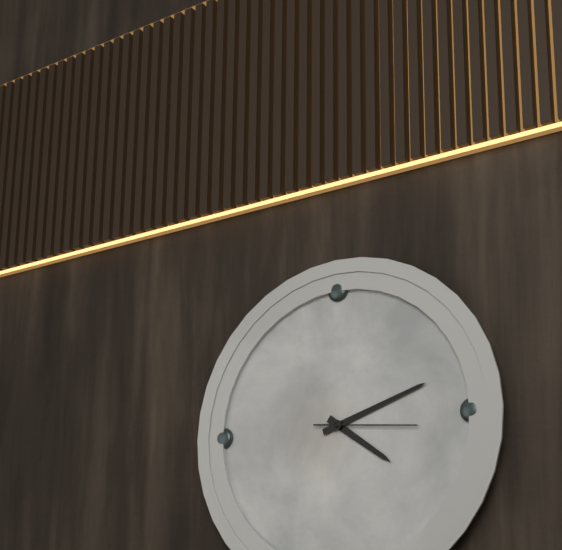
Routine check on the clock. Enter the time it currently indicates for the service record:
4:12:16
